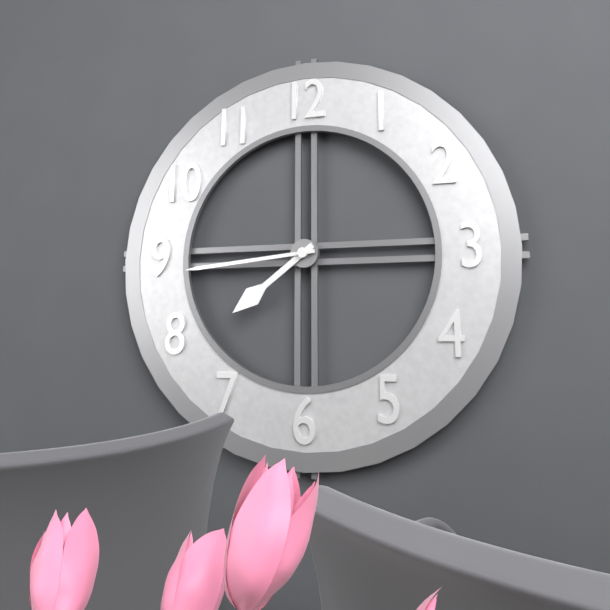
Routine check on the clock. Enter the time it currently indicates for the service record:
7:44
